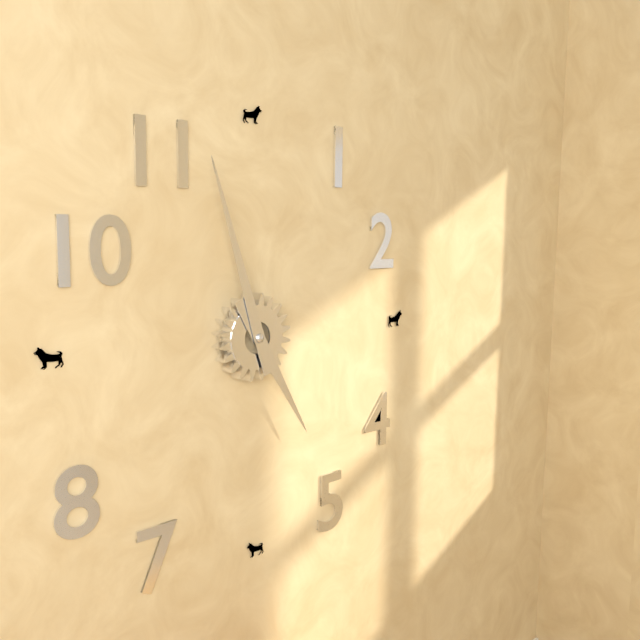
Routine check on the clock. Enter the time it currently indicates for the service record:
4:57
